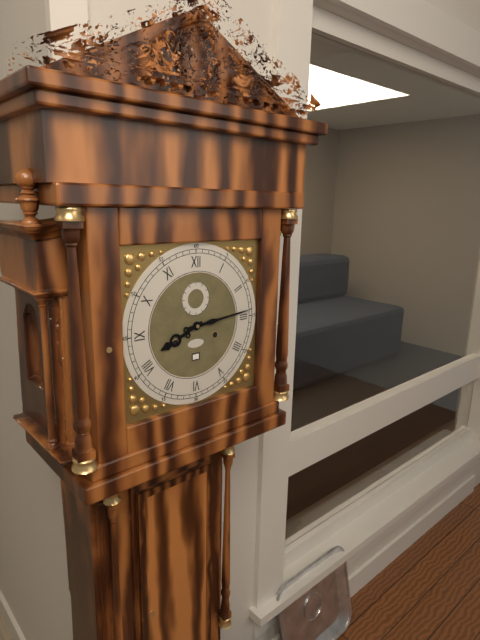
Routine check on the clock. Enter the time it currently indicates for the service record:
8:14
